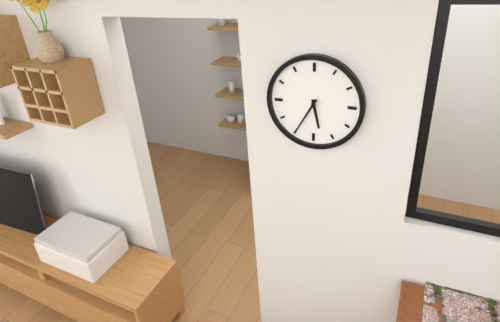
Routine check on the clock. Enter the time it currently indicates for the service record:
5:35
